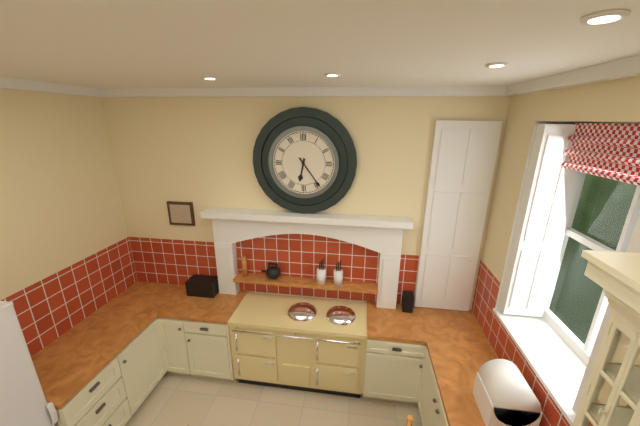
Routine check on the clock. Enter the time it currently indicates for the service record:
6:24
